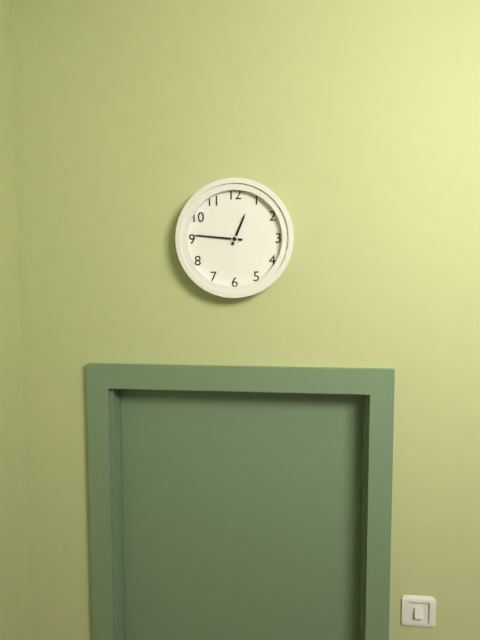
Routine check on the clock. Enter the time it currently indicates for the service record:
12:46
